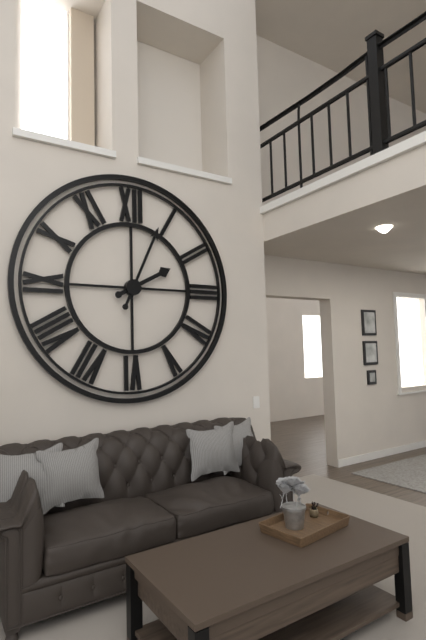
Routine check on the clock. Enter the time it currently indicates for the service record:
2:04
